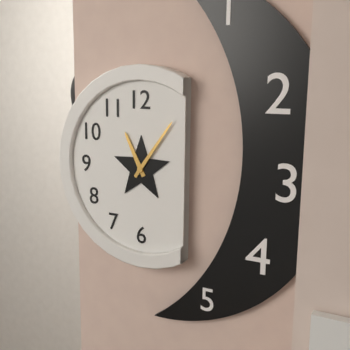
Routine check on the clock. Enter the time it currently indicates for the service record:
11:06
